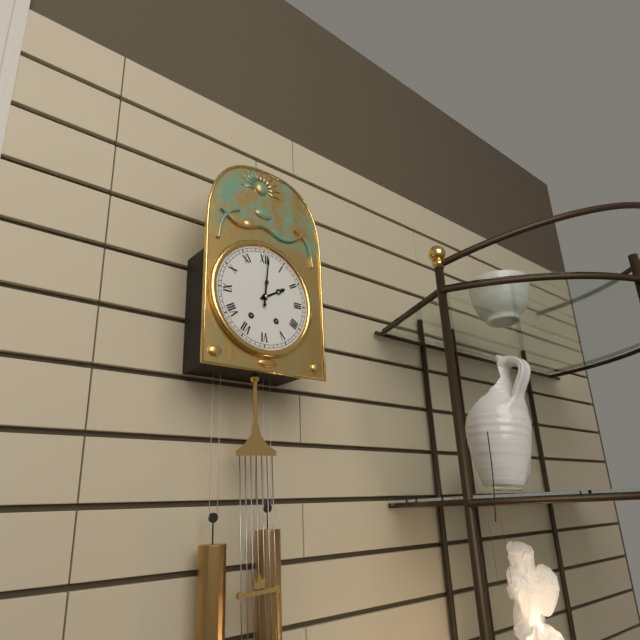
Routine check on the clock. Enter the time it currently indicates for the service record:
2:01
